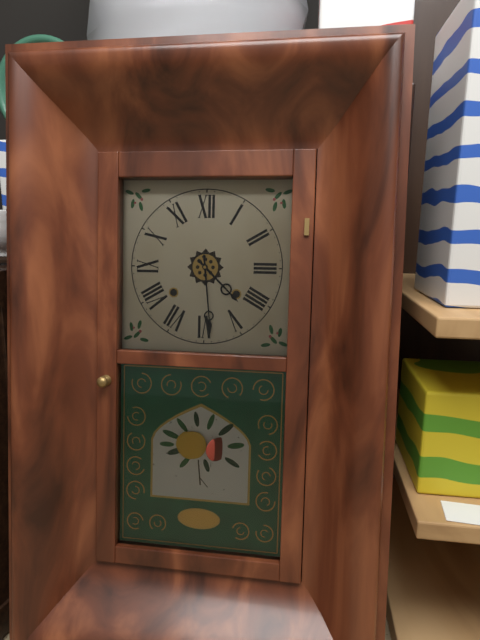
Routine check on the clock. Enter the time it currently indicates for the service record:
4:29
